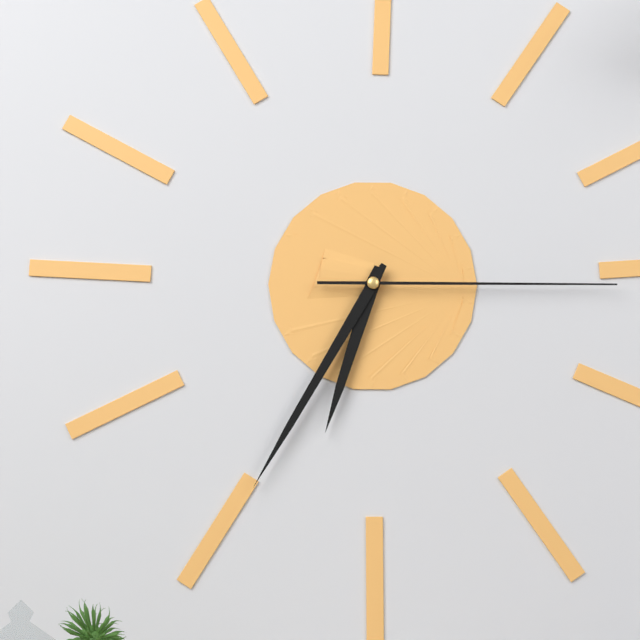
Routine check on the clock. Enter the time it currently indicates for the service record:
6:35:15
